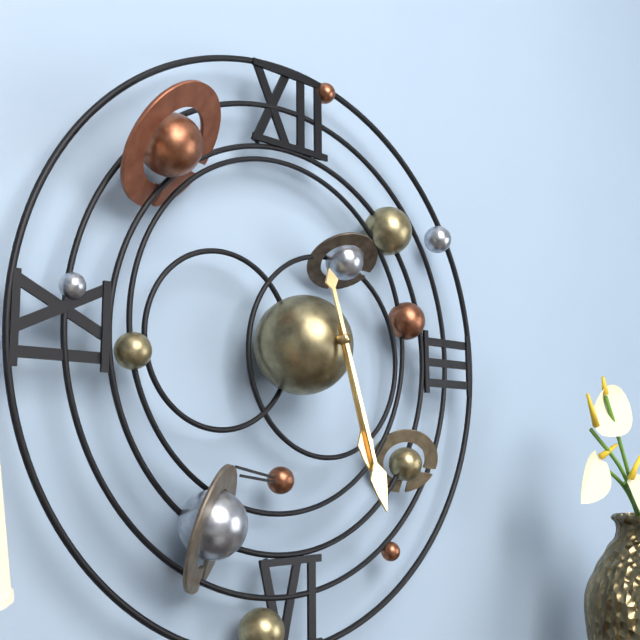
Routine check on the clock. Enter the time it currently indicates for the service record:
5:27
